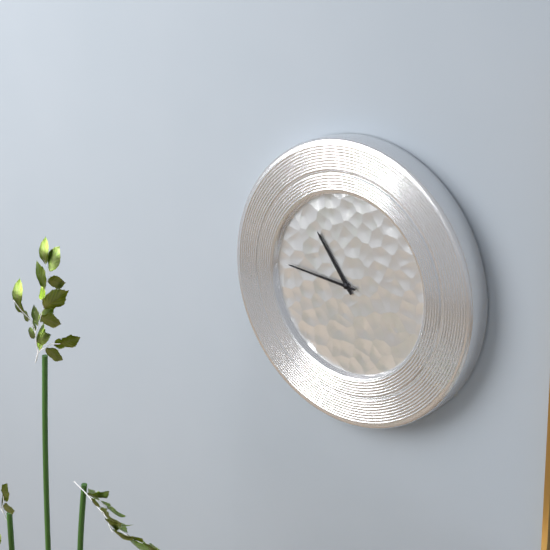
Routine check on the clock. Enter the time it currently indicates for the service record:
10:46
